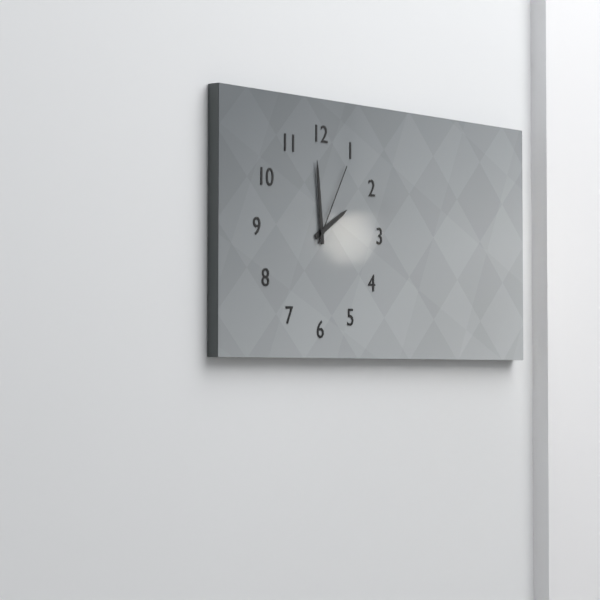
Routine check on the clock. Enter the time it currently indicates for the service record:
1:59:05
